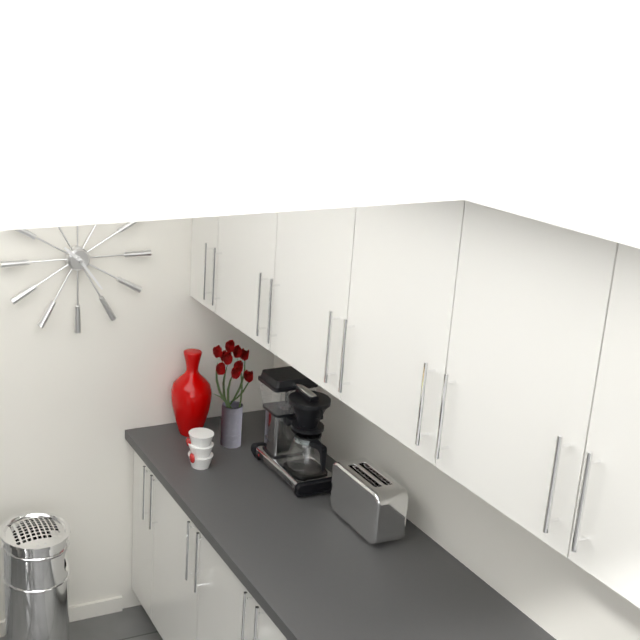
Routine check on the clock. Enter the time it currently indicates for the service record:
10:24
